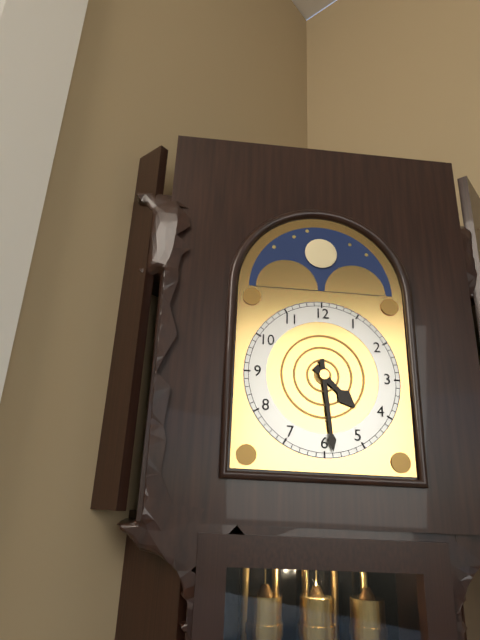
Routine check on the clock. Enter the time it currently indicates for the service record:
4:29
